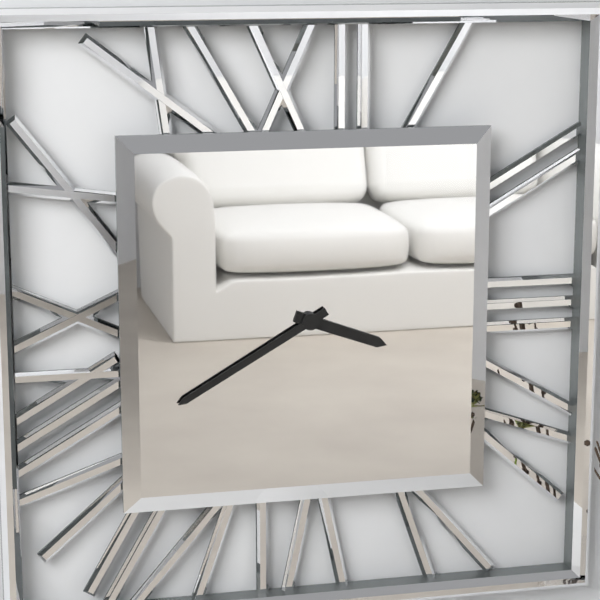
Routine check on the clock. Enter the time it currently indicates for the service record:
3:40
